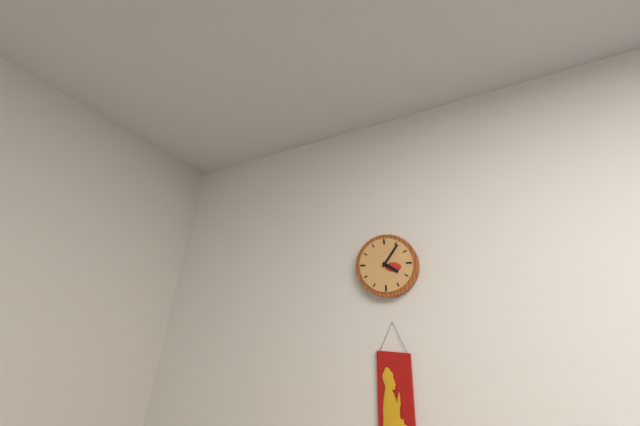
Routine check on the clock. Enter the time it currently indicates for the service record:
4:06
